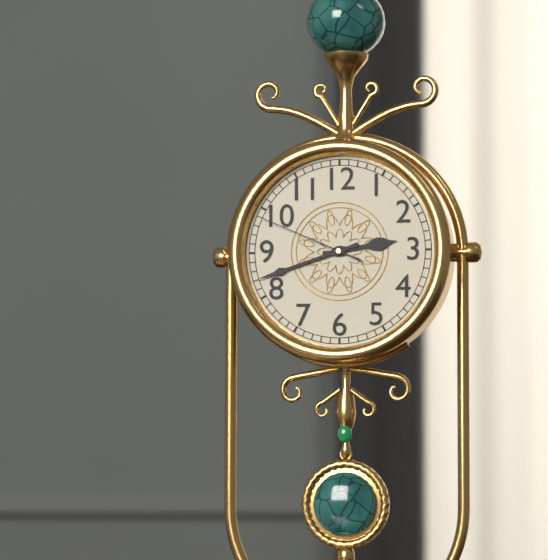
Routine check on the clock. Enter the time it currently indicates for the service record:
2:42:49
